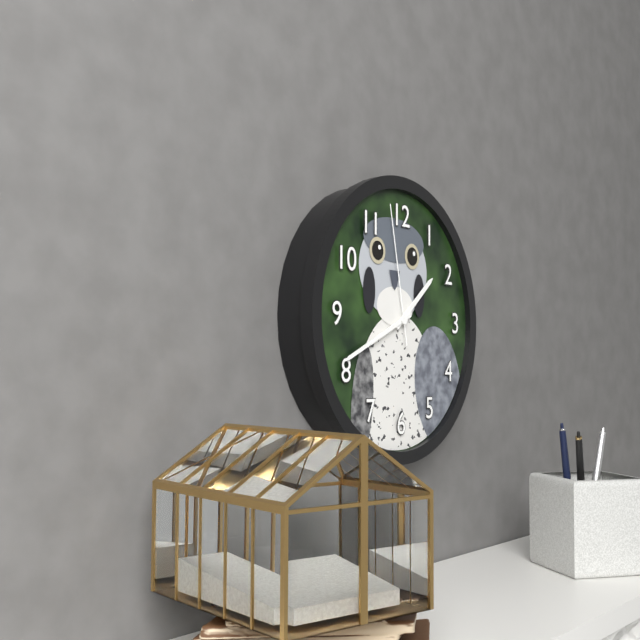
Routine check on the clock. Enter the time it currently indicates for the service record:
1:41:58
